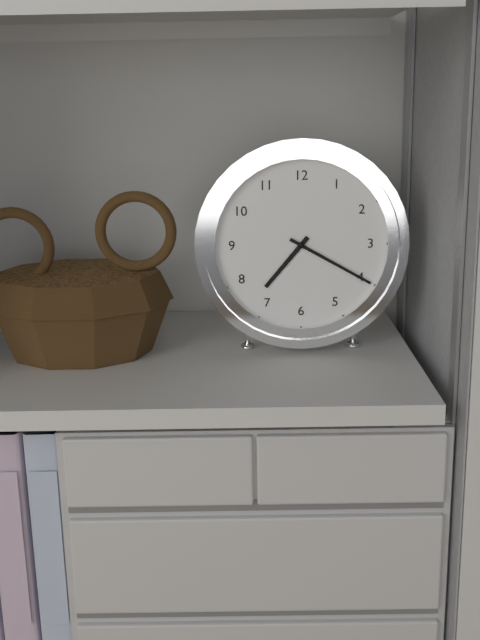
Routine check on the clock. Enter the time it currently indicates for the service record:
7:20
